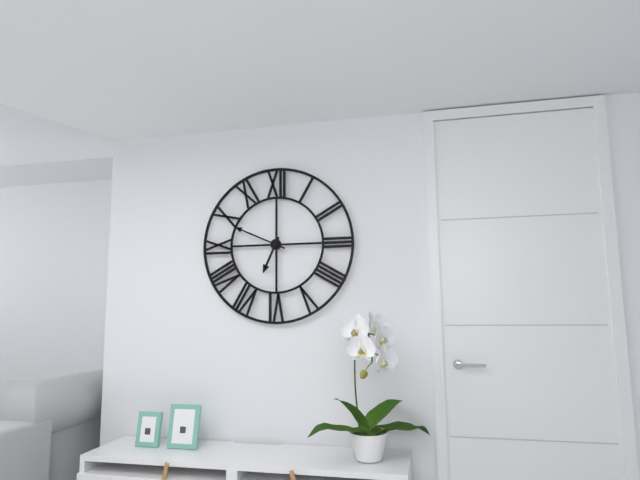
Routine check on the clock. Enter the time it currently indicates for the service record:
6:49
